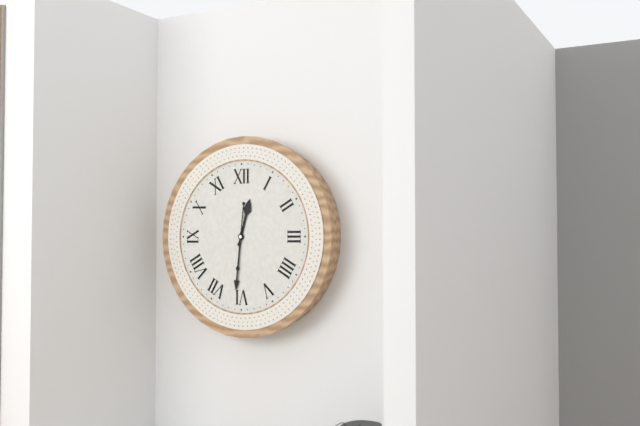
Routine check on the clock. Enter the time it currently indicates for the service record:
12:31
